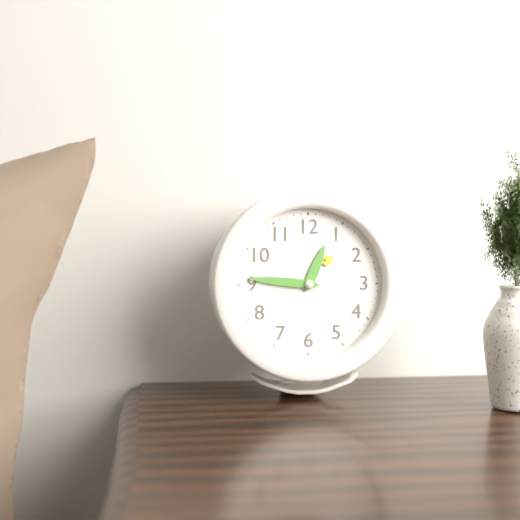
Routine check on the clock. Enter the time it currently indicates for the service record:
12:46
